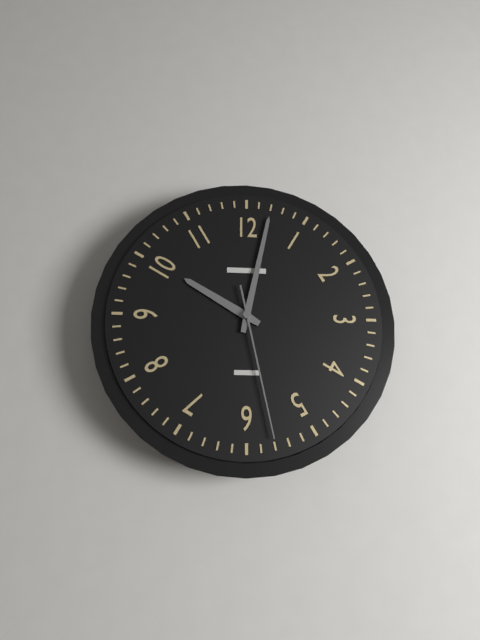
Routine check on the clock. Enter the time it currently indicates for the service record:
10:02:28
